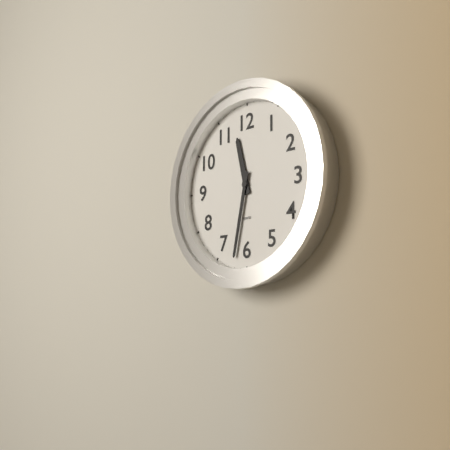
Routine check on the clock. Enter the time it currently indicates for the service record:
11:32
